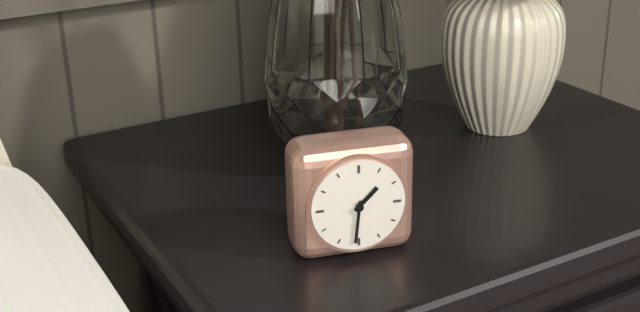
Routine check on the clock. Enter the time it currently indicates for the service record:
1:31
